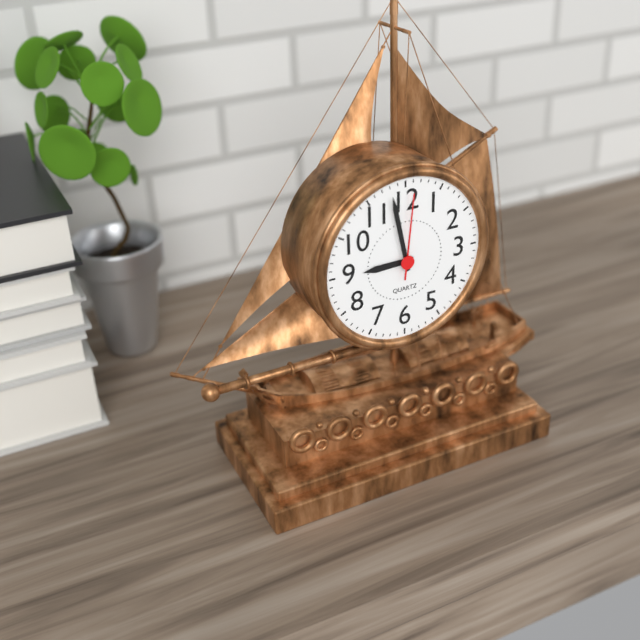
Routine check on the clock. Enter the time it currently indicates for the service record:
8:58:01
